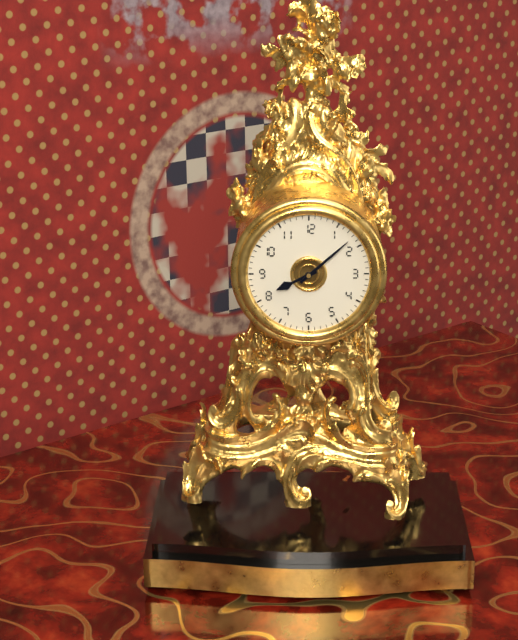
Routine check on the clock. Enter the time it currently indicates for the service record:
8:08
